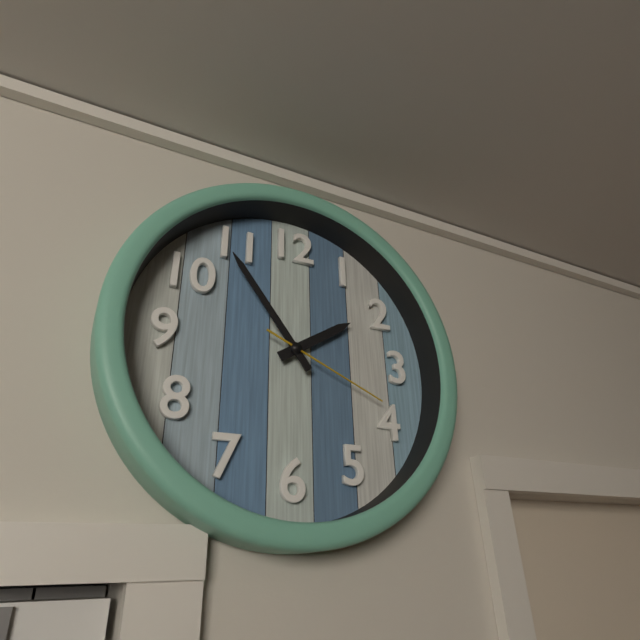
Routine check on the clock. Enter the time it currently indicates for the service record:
1:54:19
